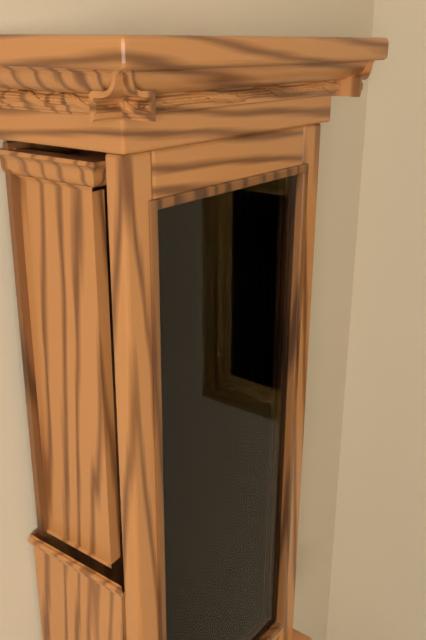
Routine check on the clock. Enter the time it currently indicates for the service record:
7:30
